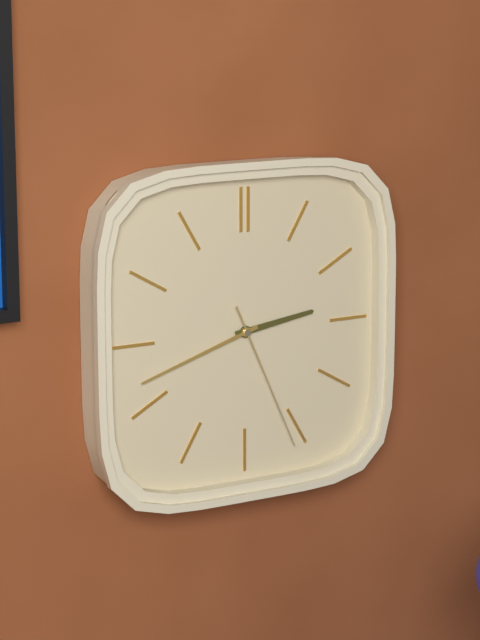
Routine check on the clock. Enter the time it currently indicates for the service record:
2:42:26
